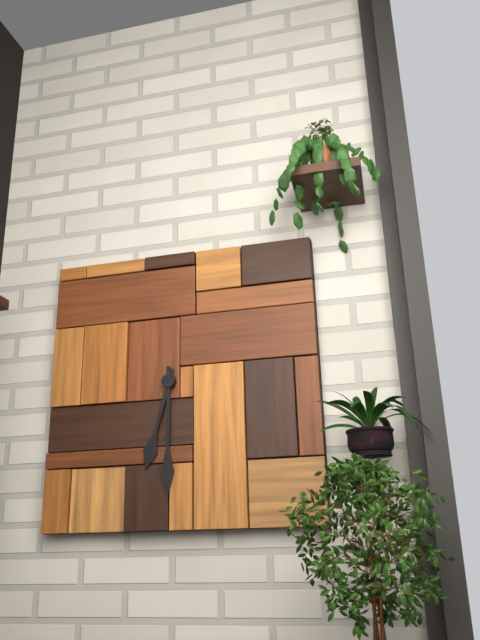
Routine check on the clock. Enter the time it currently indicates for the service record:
6:30
